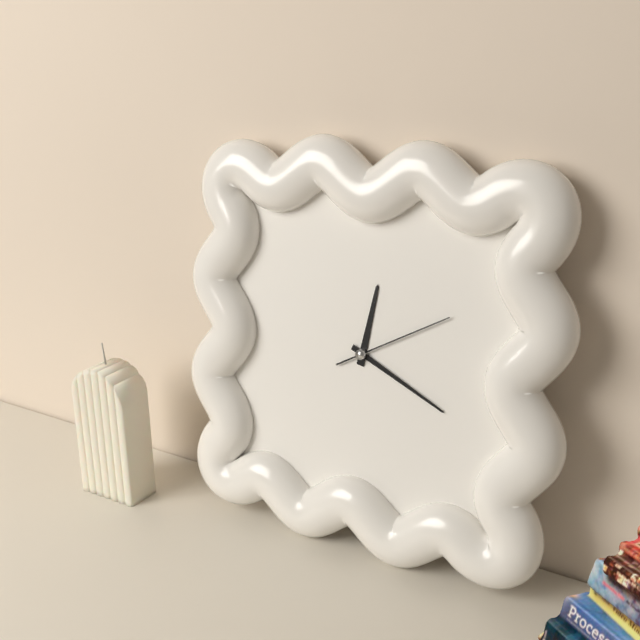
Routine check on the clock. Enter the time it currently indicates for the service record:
12:19:10
